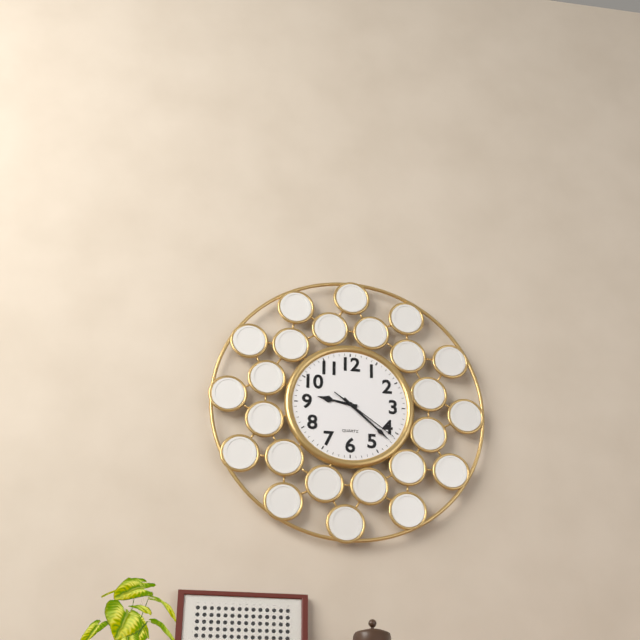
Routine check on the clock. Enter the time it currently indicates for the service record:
9:22:21
